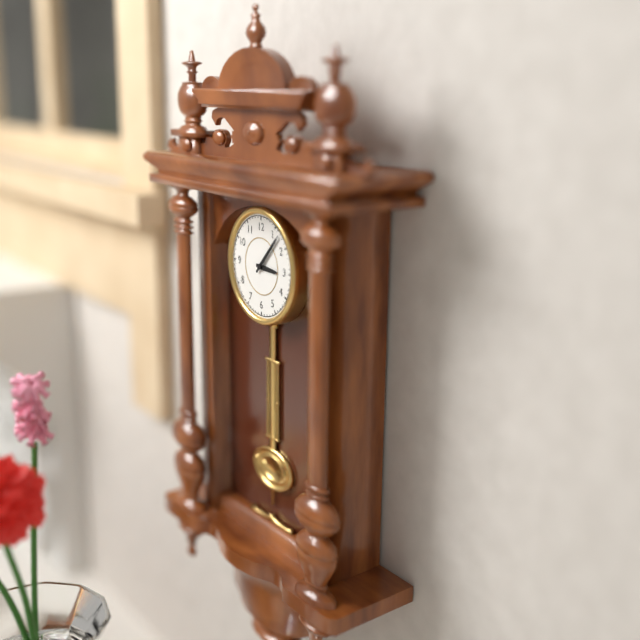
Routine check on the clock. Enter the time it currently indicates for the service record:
3:07
